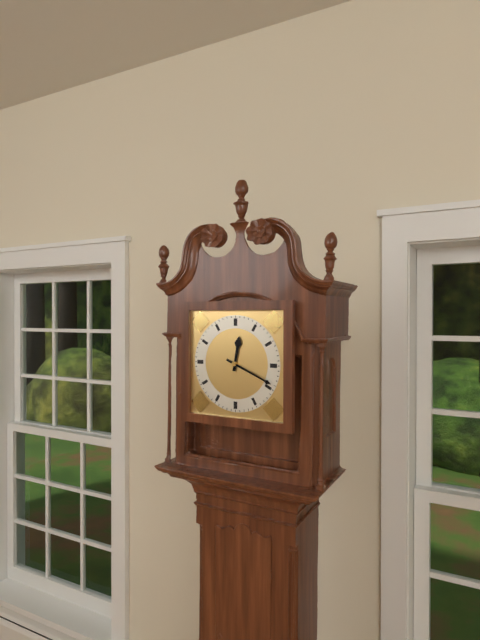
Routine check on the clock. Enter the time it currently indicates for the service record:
12:19
